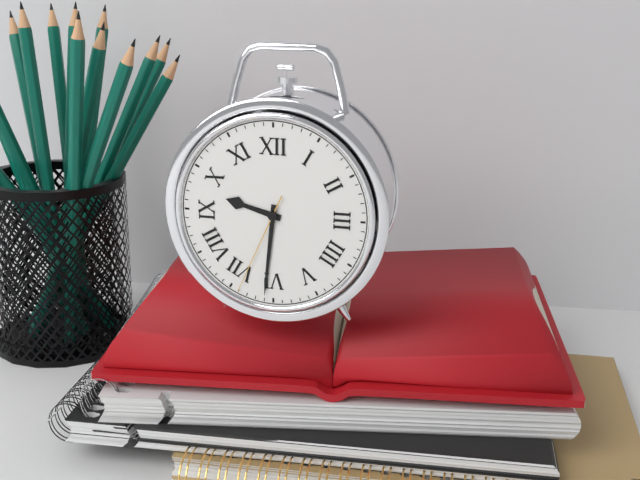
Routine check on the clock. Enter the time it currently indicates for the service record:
9:31:34
